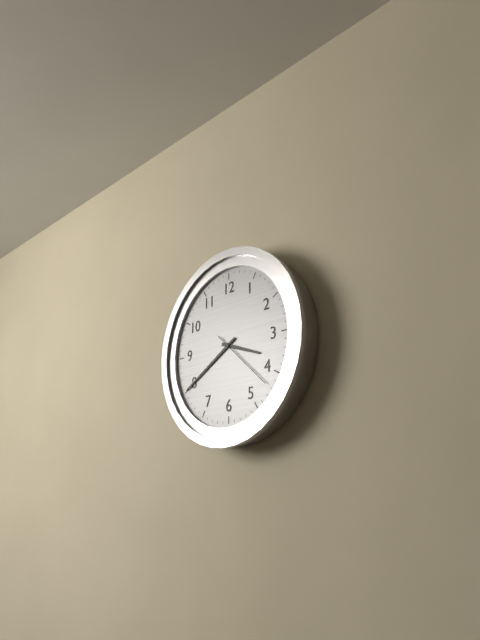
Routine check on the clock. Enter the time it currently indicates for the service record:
3:40:22
